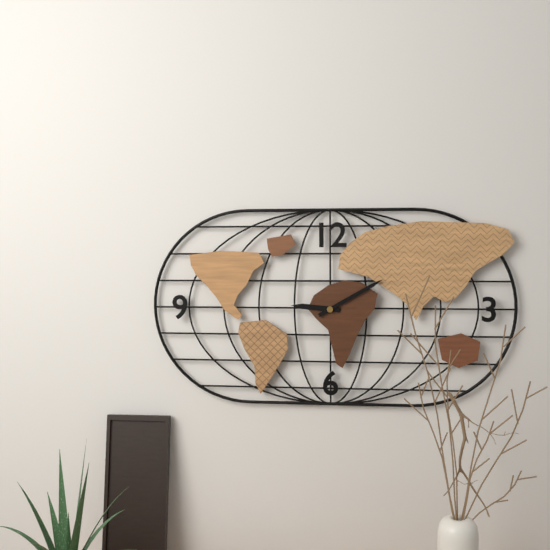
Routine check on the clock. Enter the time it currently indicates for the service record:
9:10
